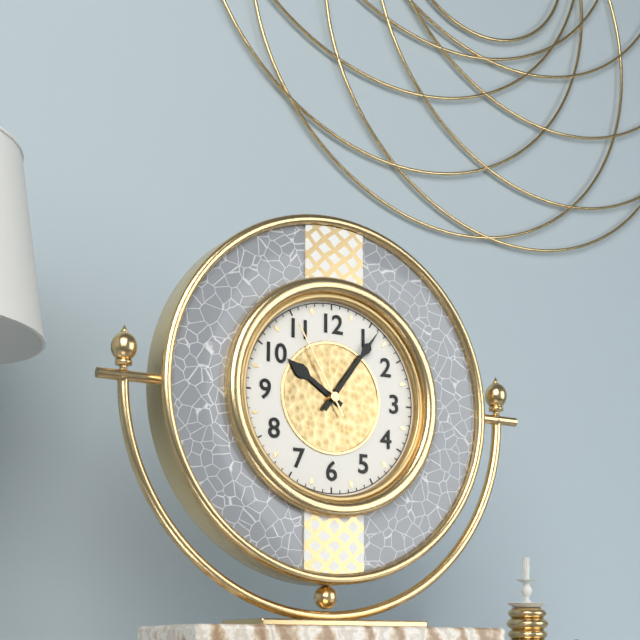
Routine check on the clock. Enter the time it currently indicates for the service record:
10:06:55
